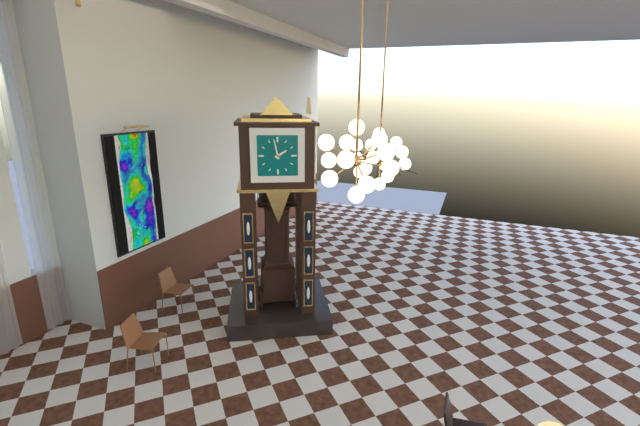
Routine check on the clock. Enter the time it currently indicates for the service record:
1:58
